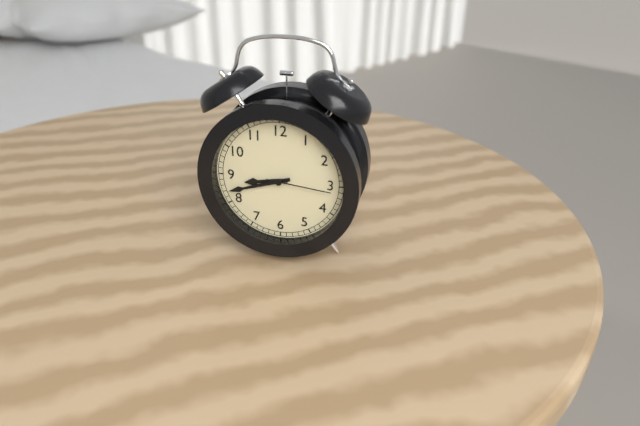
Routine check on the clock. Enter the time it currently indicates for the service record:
8:42:16
